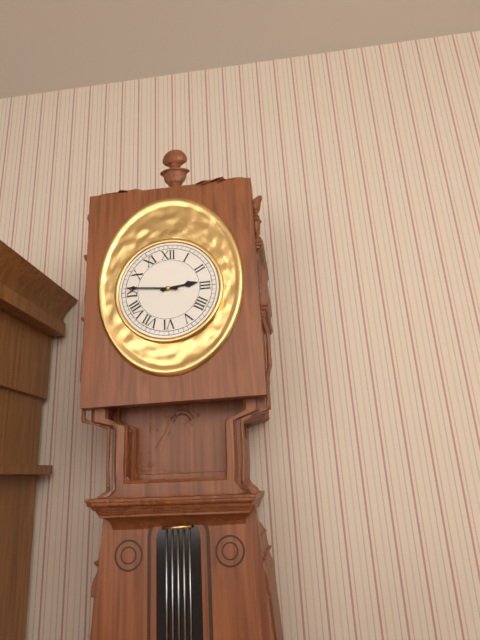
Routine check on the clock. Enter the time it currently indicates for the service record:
2:46
